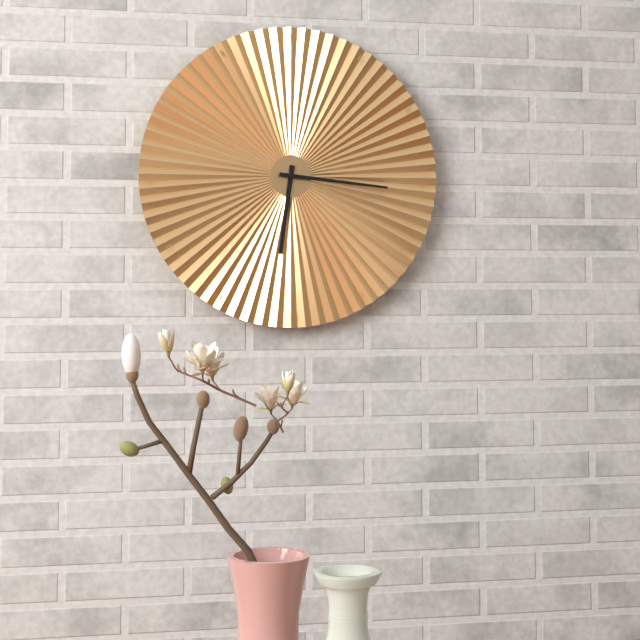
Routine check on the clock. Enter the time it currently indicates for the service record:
6:16
